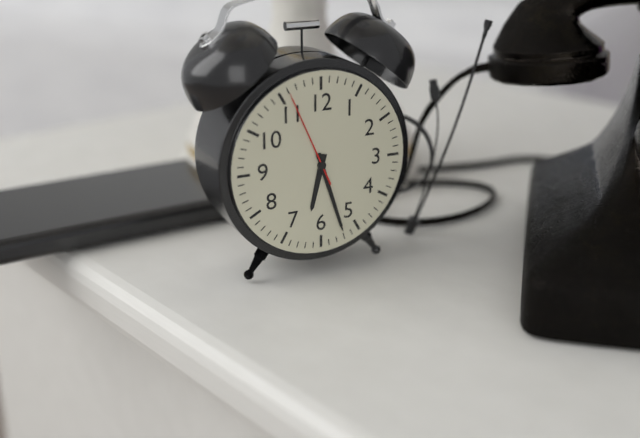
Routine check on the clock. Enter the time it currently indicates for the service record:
6:27:56
